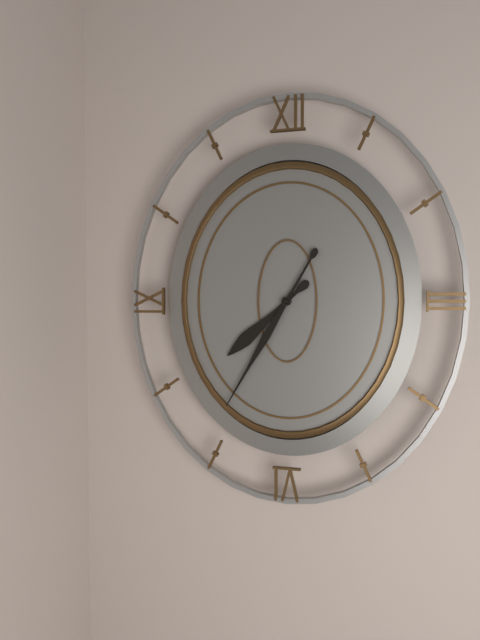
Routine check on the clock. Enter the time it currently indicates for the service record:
7:35
